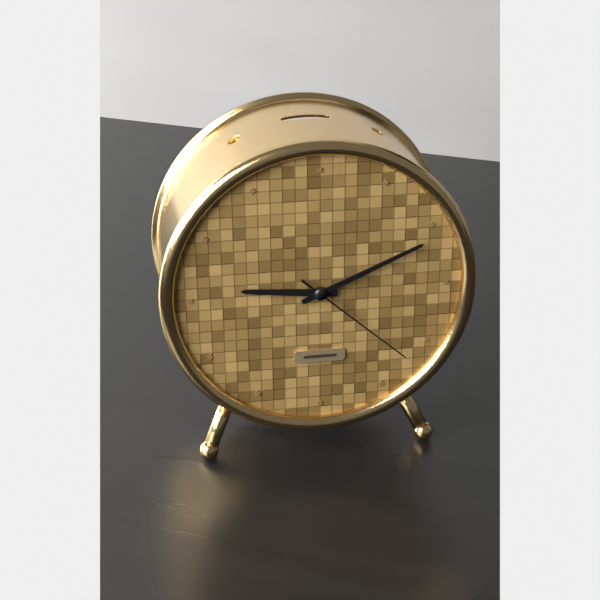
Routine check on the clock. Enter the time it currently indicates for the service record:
9:11:22
